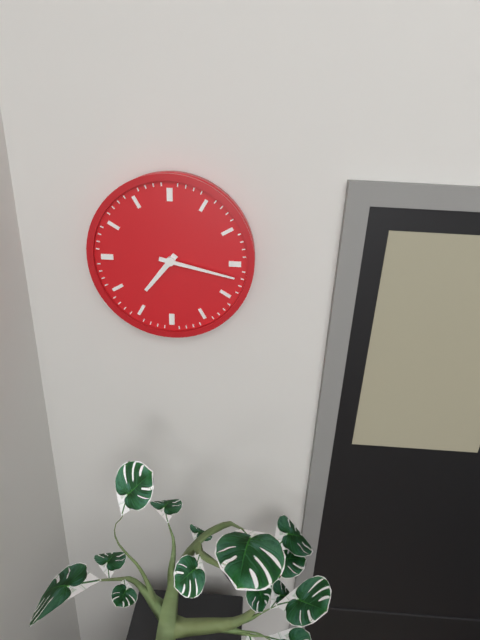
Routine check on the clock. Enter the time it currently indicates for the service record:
7:17
